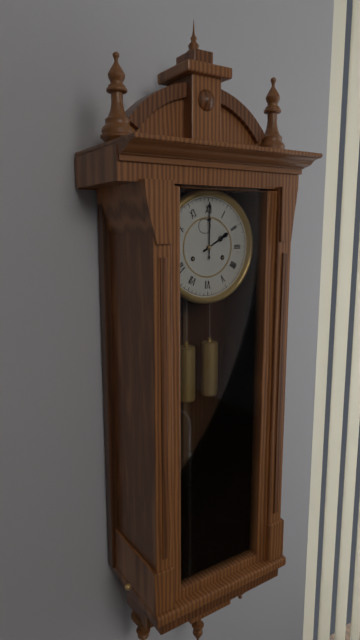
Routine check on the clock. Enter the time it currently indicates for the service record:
2:00
